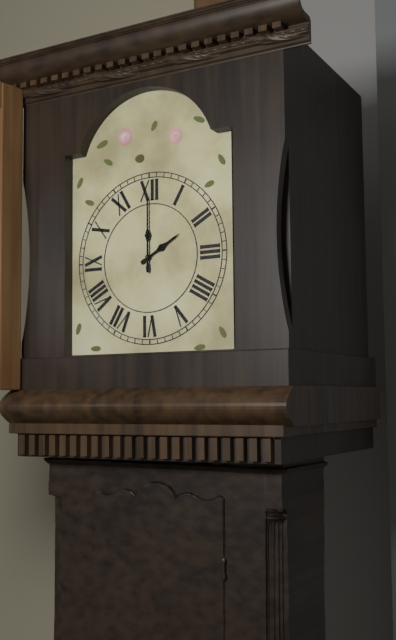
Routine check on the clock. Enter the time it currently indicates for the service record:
2:00
